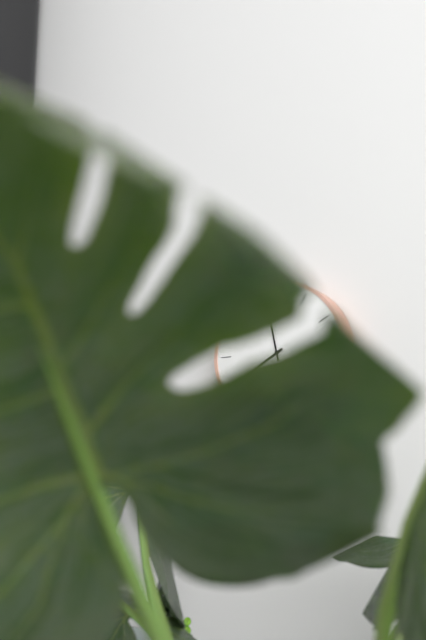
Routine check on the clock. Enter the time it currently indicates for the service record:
7:58
